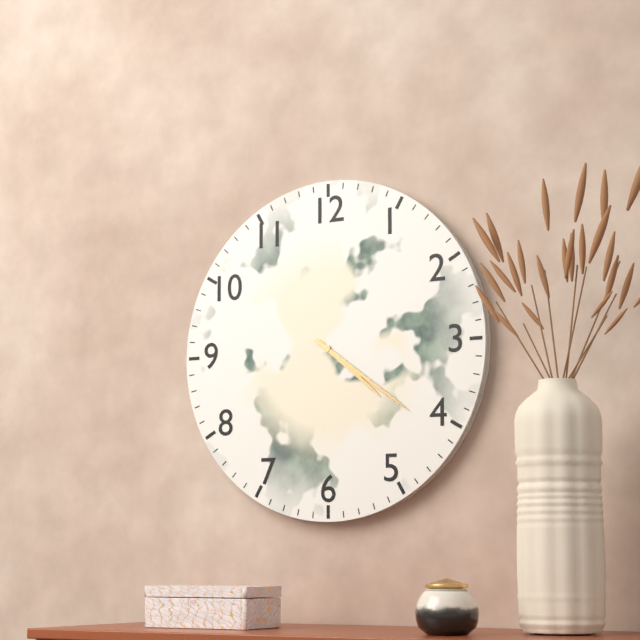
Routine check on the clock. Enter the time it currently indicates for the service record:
4:21
